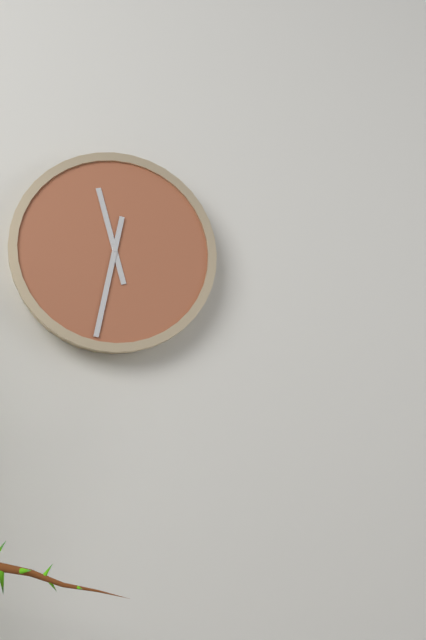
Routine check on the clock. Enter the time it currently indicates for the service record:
11:32
